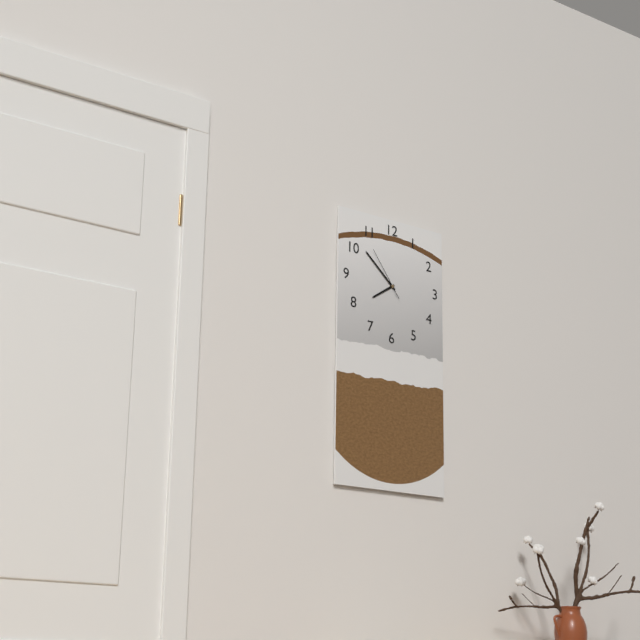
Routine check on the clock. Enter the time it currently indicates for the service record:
7:52:54
